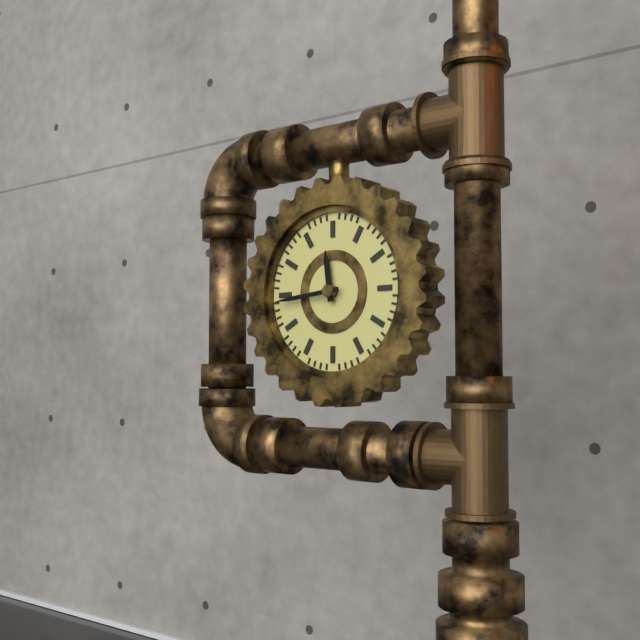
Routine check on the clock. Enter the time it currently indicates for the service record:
11:44
